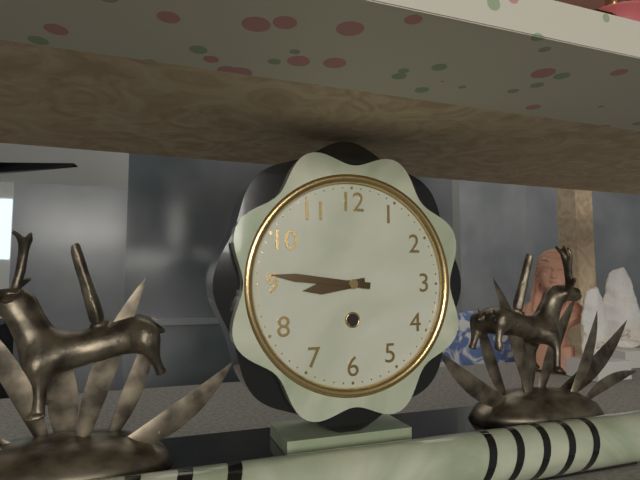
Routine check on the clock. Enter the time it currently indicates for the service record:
8:46
